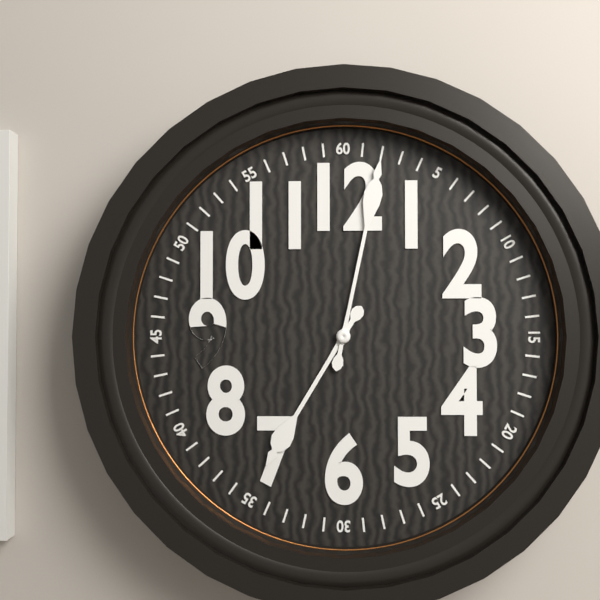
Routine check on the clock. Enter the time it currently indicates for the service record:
7:02
